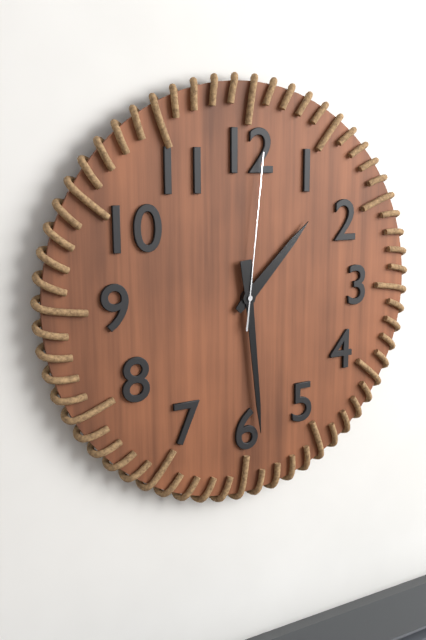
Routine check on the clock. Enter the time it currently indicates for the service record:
1:29:01
